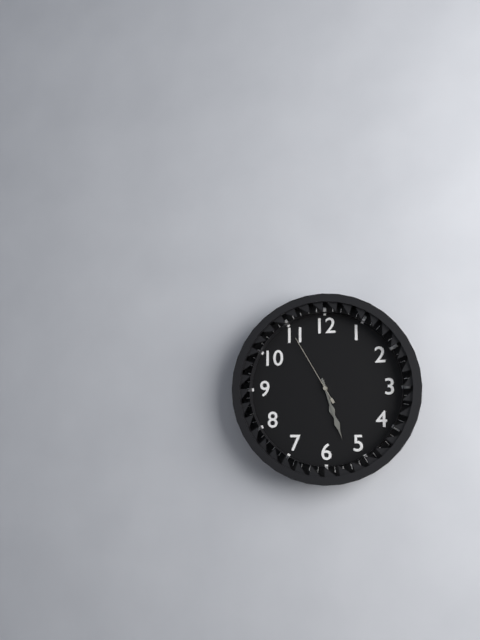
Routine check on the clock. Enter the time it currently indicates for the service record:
5:27:55
